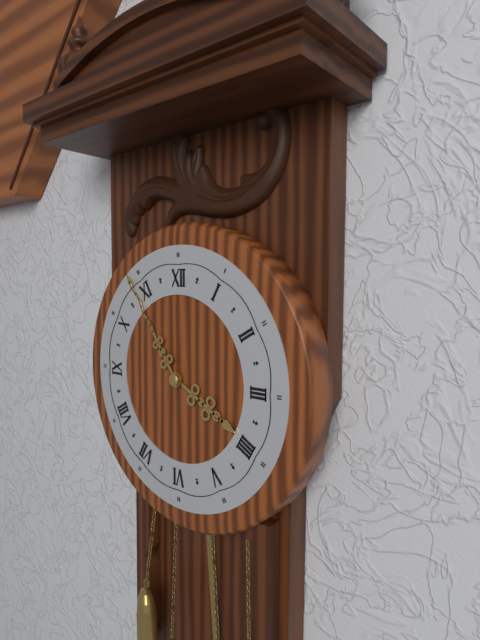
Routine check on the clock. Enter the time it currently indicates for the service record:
3:54
